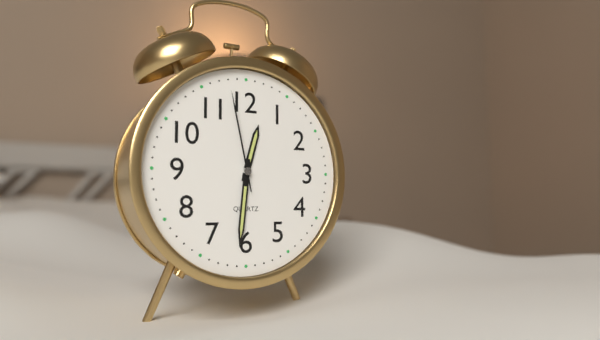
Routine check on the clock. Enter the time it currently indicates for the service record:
12:31:58
